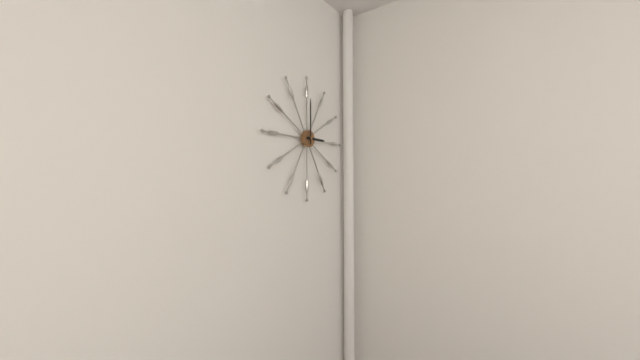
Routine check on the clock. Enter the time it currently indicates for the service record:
3:00
